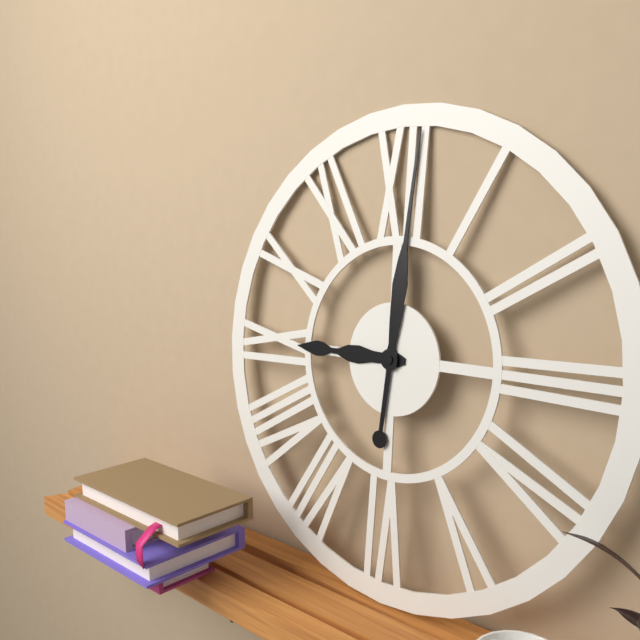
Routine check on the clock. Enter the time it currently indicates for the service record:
9:01
